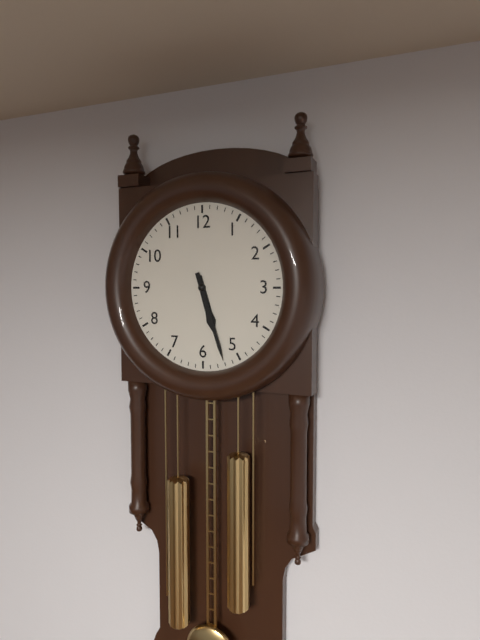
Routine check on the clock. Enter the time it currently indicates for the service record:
5:27
